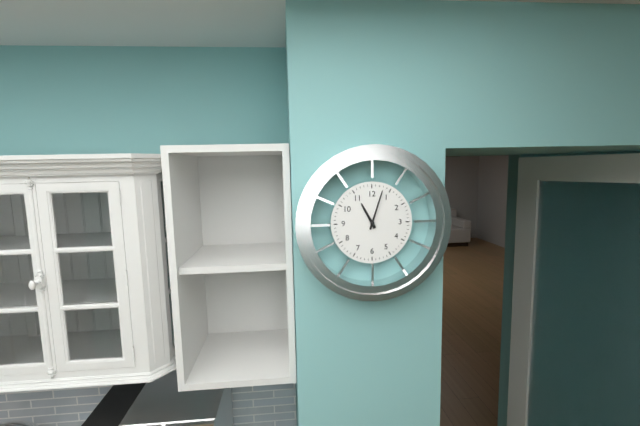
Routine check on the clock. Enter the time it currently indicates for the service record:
11:03
